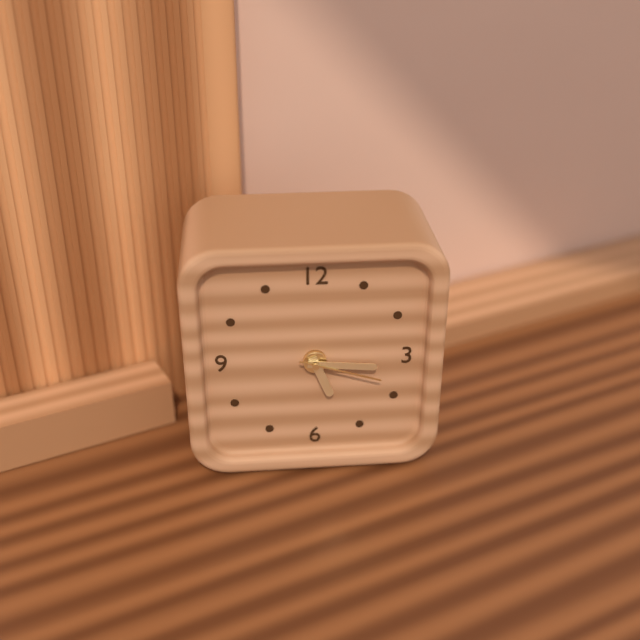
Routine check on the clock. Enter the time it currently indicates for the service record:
5:16:18
